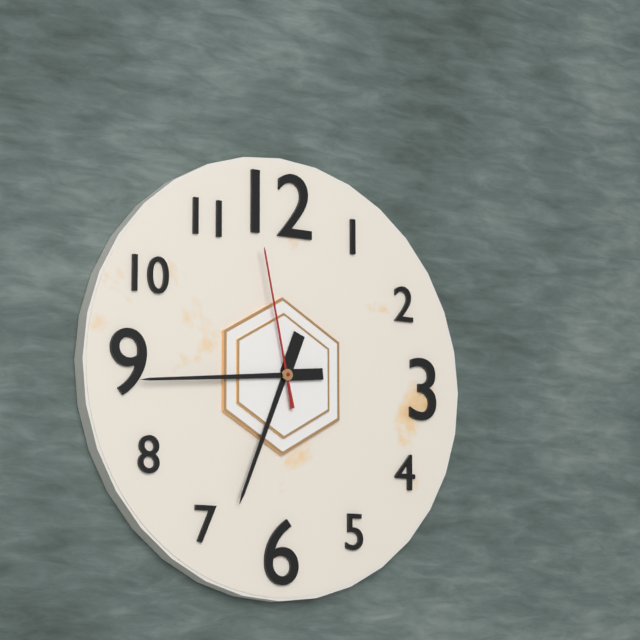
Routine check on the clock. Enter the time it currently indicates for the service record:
6:44:58
